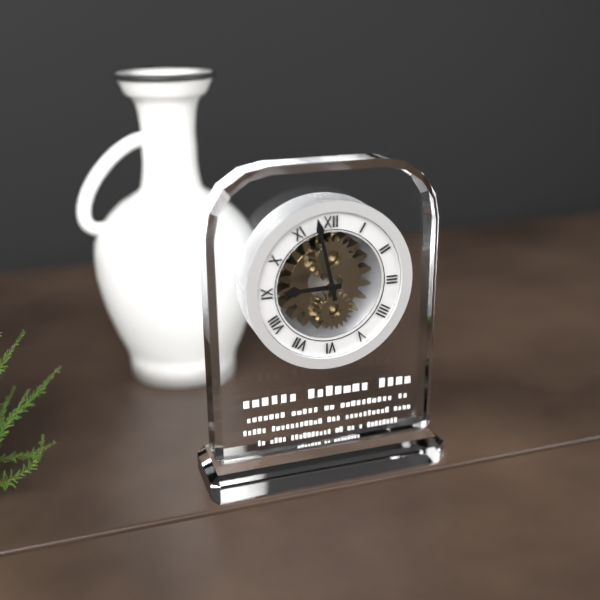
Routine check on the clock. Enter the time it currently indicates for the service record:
8:58
